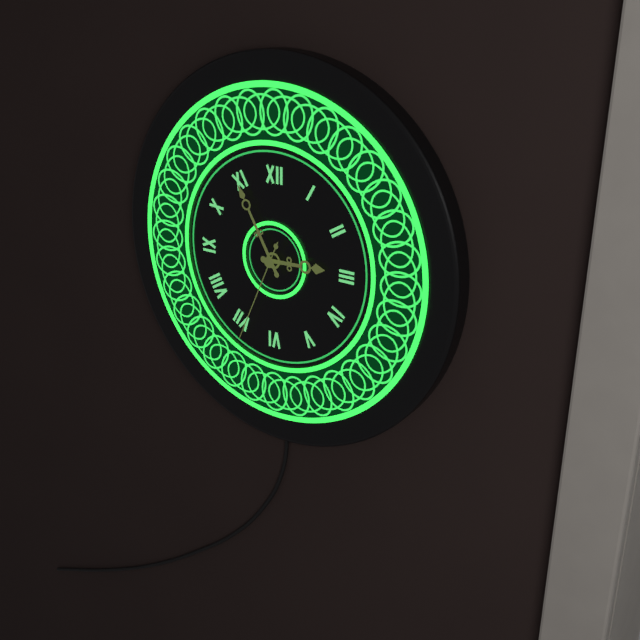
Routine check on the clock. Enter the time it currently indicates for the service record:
2:55:34
